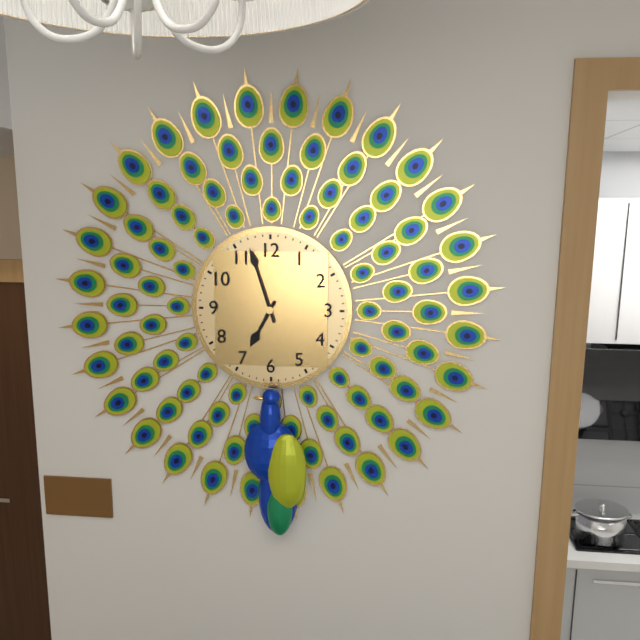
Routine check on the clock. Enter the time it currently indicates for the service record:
6:57
